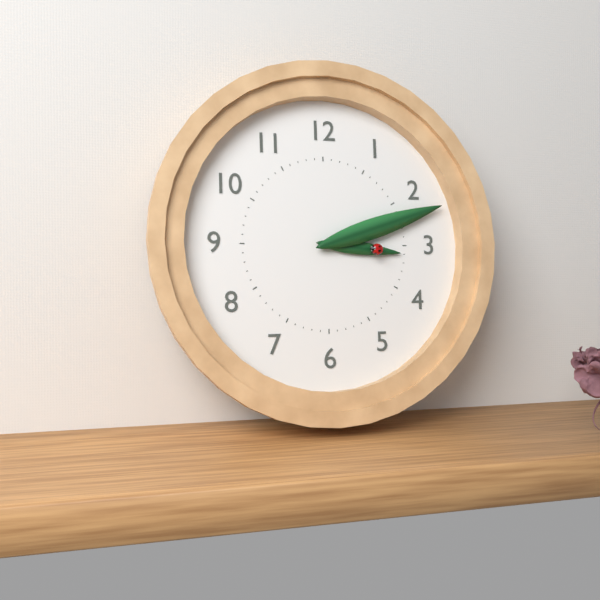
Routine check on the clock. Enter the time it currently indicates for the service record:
3:12
